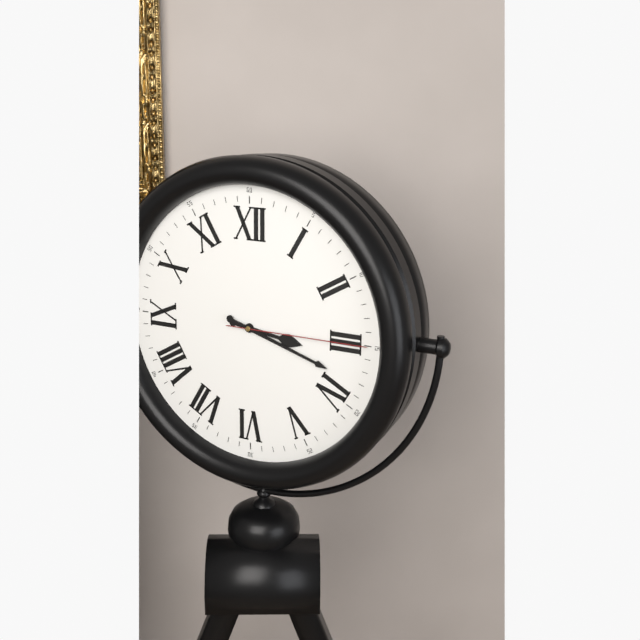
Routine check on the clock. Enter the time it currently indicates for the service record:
3:18:15
